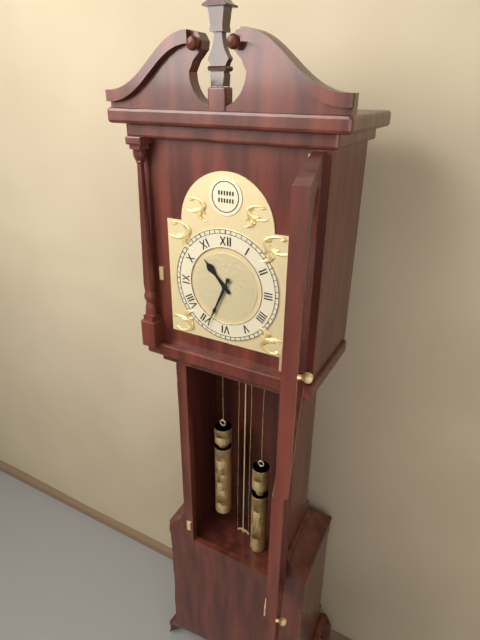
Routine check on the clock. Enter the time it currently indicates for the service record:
10:34
